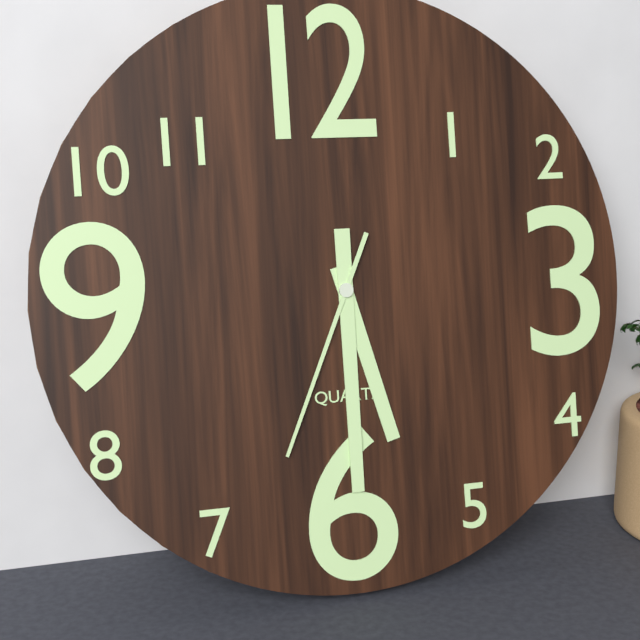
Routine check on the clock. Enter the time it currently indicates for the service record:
5:30:34
